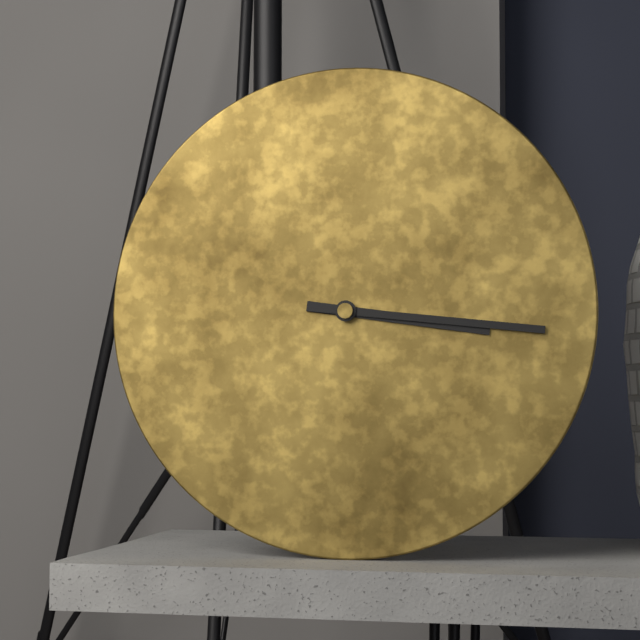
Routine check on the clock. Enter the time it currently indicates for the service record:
3:16
